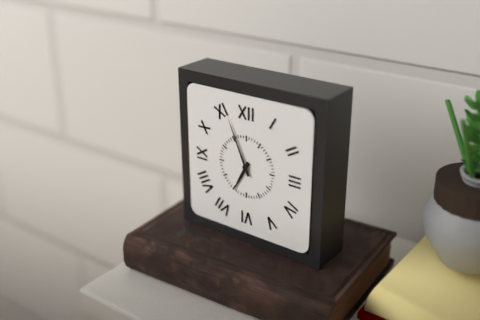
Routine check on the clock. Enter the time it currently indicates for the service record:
6:56
